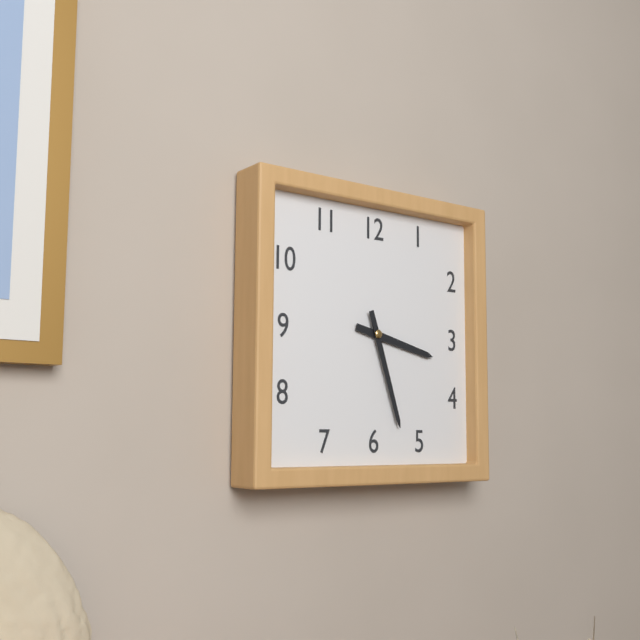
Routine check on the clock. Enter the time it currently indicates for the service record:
3:27
